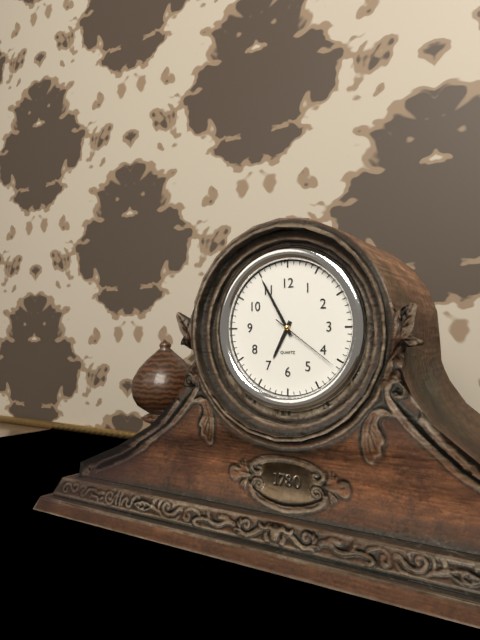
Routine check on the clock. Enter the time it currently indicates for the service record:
6:55:21
